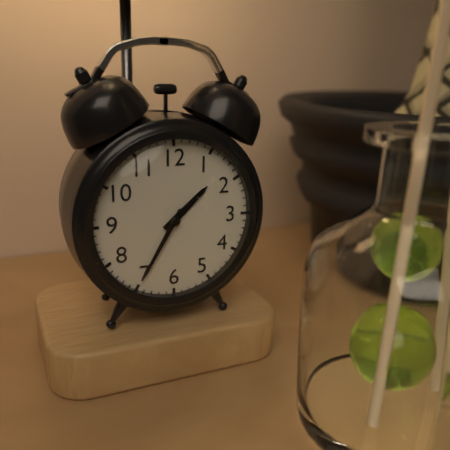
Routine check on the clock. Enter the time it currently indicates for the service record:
1:35
